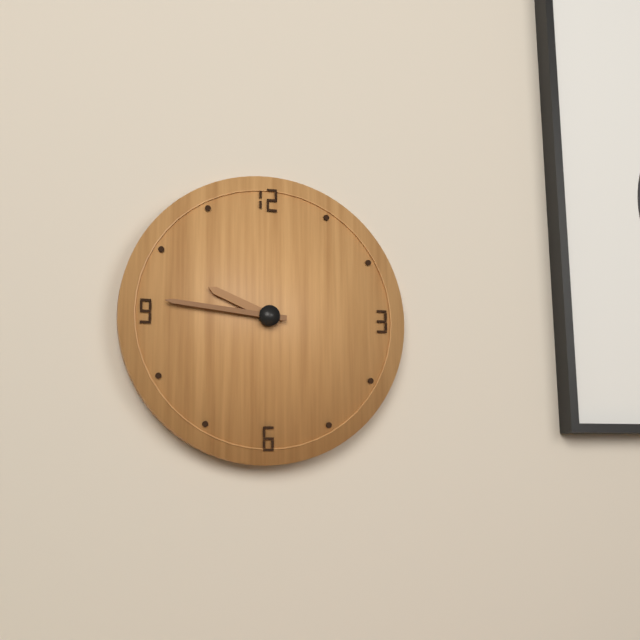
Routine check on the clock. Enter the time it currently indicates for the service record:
9:46
